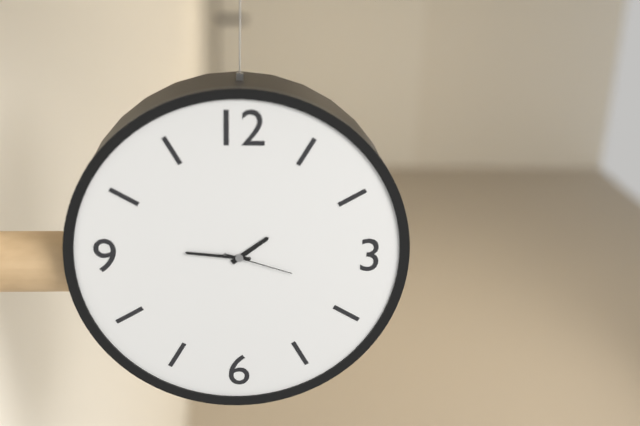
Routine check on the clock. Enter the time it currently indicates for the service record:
1:46:18
